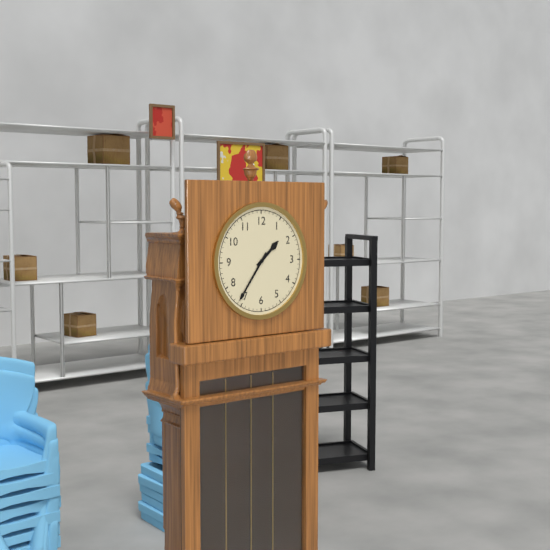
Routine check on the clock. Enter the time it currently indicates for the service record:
1:36
